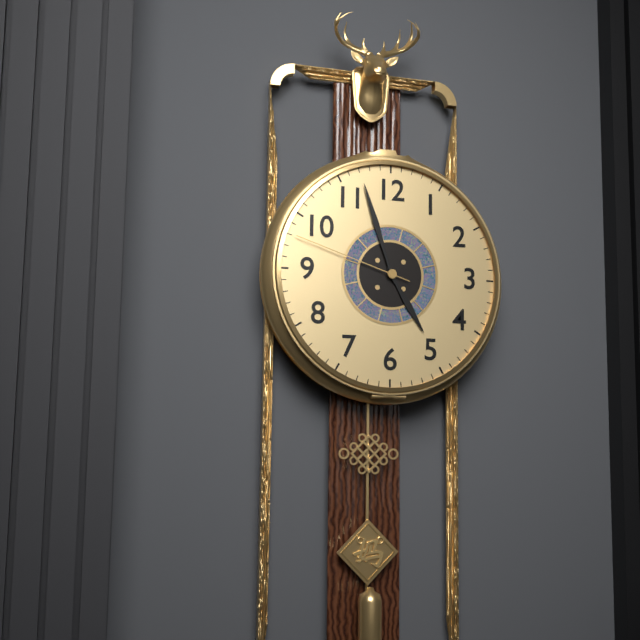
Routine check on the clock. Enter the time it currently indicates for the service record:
4:57:48
